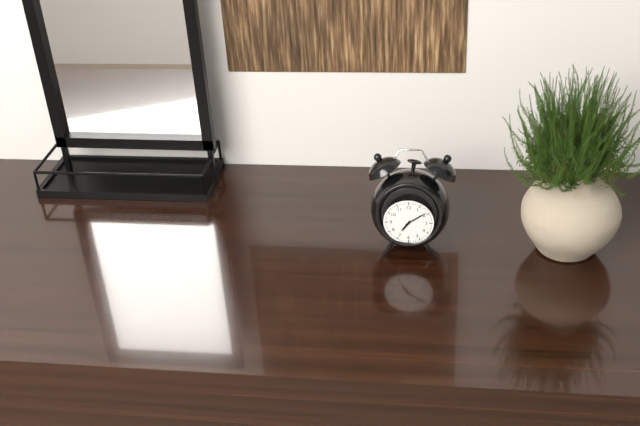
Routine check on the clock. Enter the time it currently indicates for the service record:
7:09
